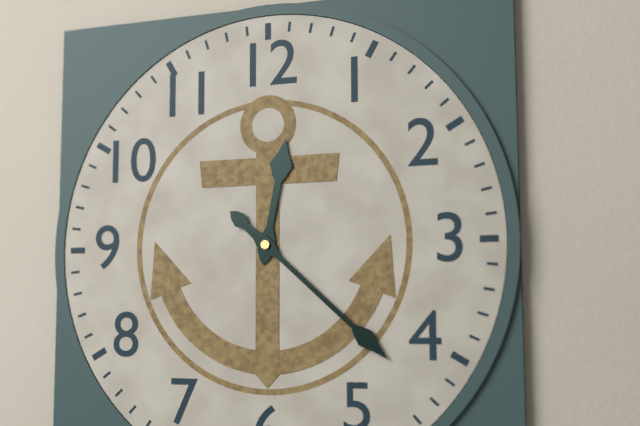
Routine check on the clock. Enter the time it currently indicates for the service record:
12:22
